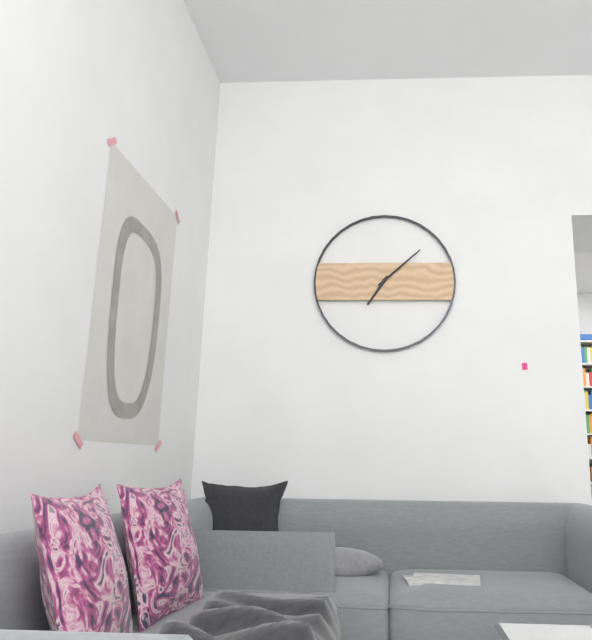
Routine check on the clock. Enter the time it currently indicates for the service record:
7:08
